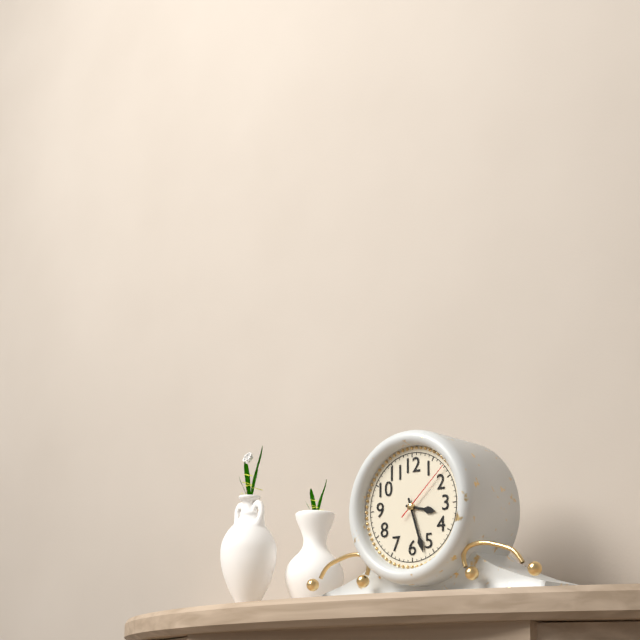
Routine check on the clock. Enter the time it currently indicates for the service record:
3:27:08
